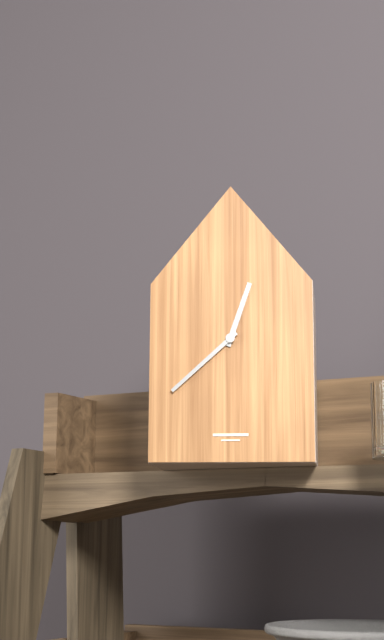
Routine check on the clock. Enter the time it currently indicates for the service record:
12:38
